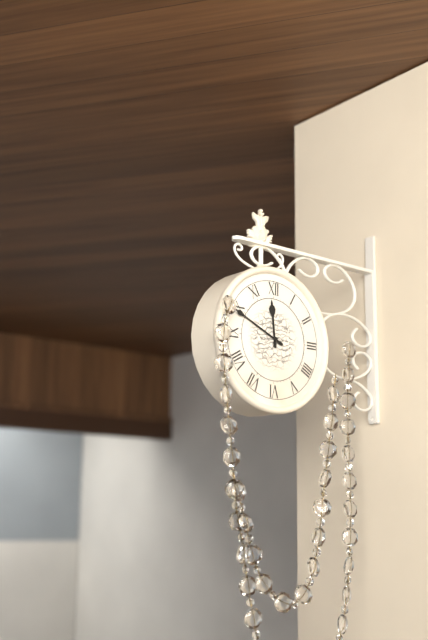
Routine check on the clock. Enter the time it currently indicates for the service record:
11:49
